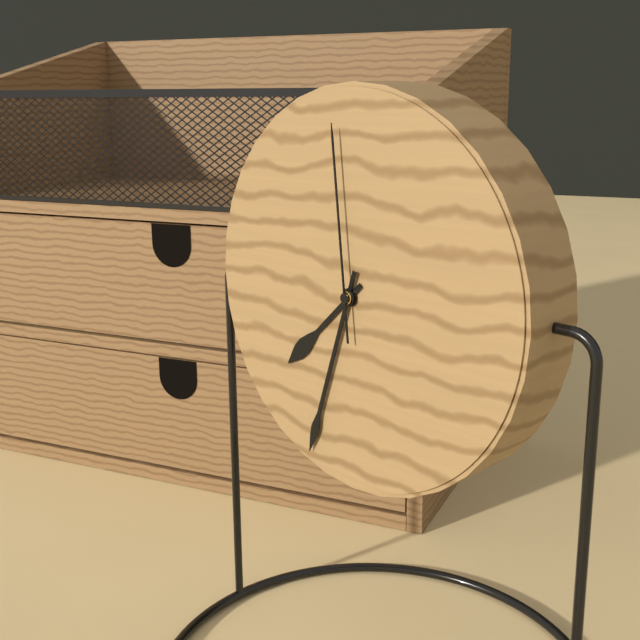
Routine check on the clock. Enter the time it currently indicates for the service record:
7:33:59
